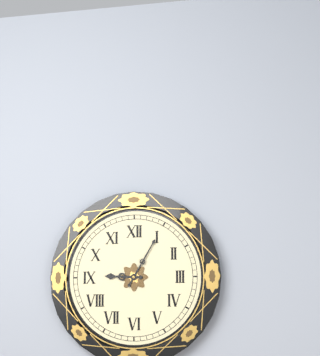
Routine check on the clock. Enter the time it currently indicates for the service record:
9:05
